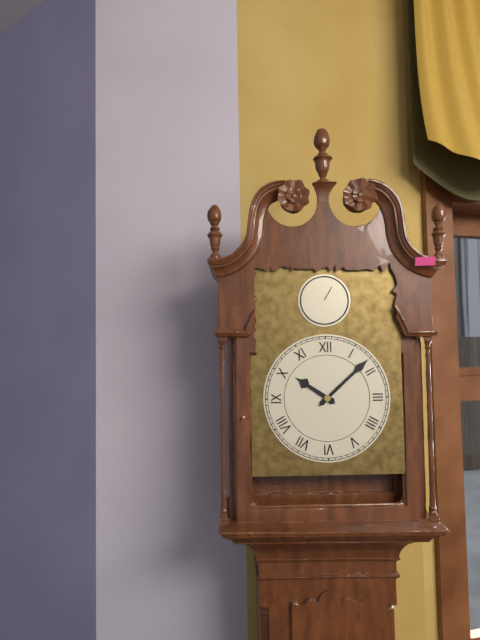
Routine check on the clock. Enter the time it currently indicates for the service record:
10:08
